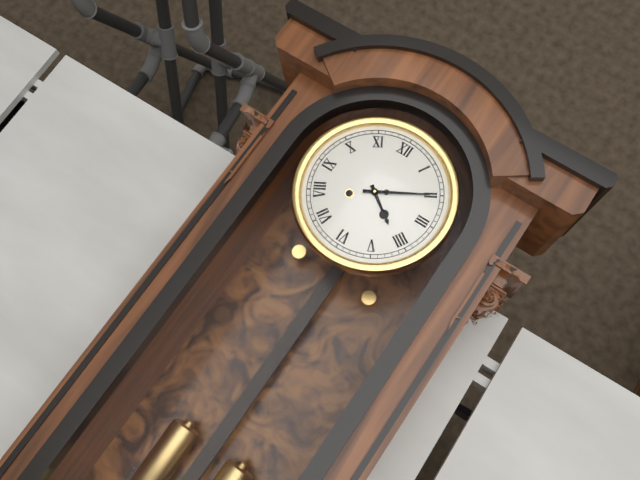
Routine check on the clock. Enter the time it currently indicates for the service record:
4:10
